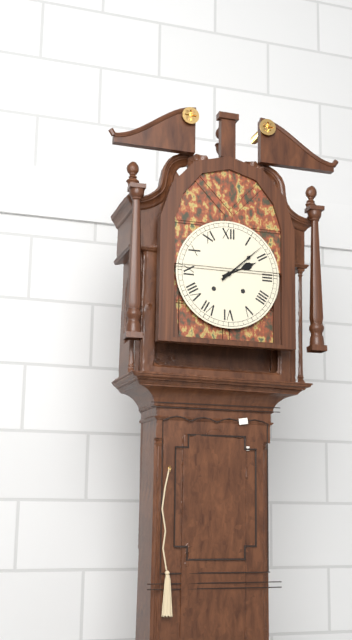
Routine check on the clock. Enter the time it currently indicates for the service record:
2:08
